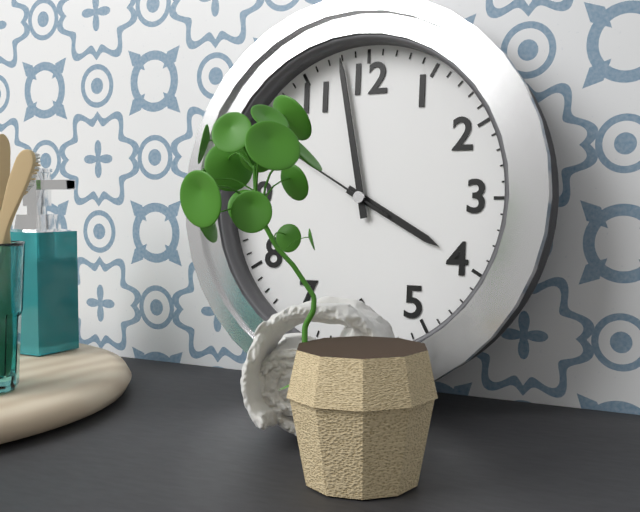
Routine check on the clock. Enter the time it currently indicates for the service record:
3:58
